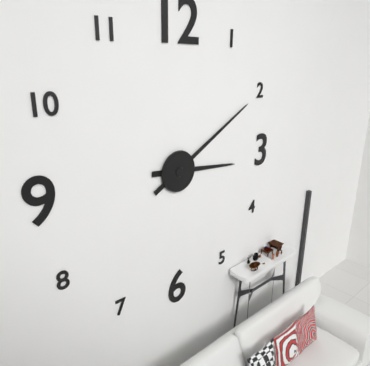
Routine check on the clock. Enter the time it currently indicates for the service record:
3:10
